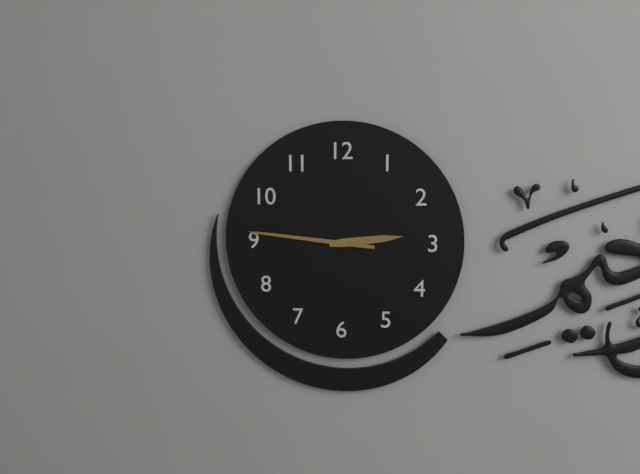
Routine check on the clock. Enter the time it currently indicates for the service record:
2:46
